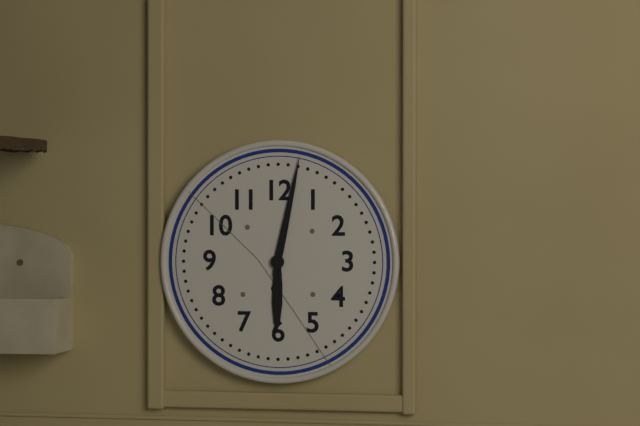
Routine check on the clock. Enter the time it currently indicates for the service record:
6:02
